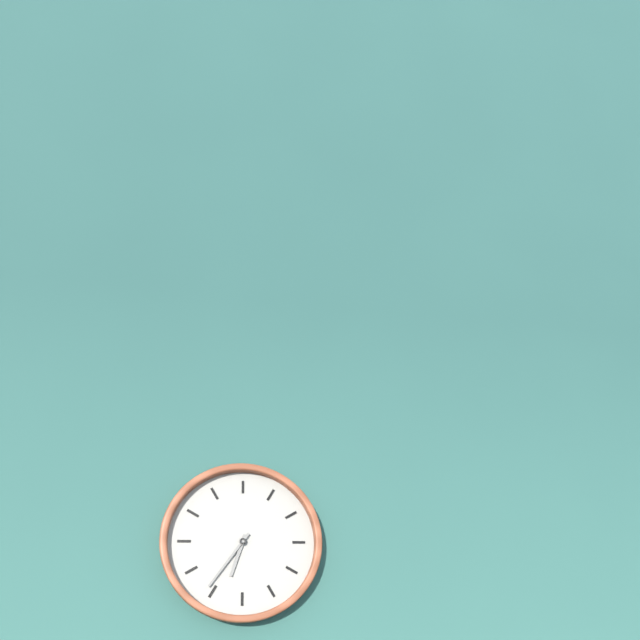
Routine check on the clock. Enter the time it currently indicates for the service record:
6:36
